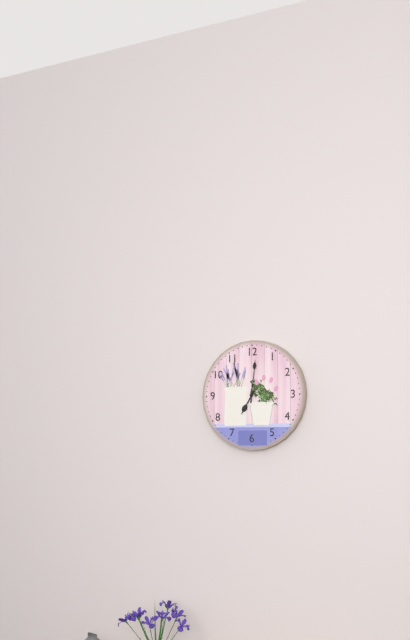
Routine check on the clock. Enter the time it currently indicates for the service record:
7:01
